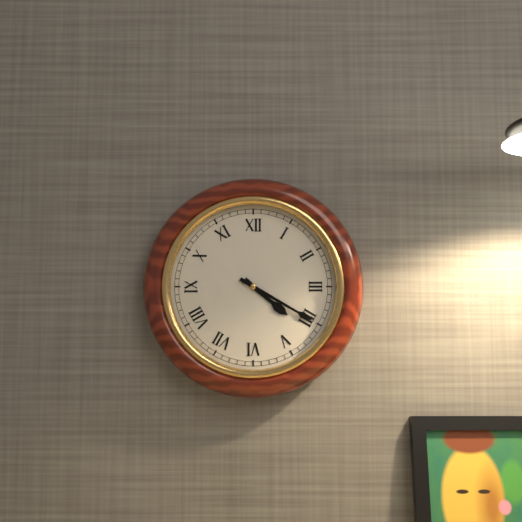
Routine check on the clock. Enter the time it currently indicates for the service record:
4:20
